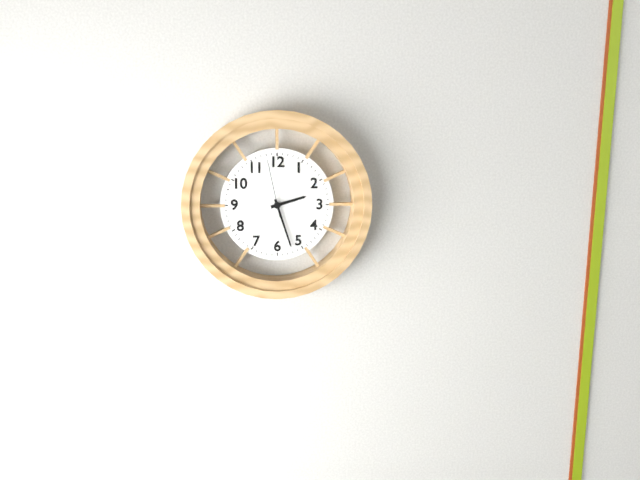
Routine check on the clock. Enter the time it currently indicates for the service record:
2:27:58
